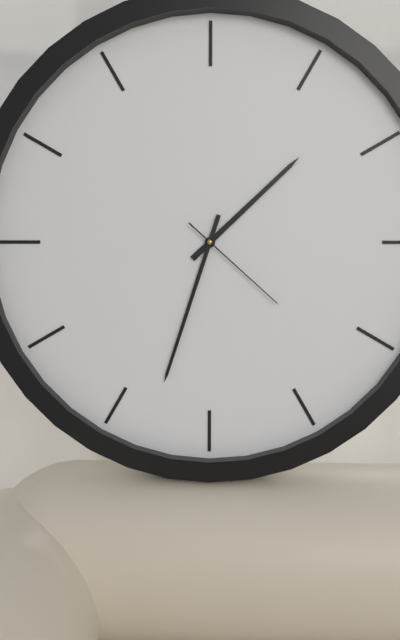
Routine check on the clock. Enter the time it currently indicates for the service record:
1:33:22
